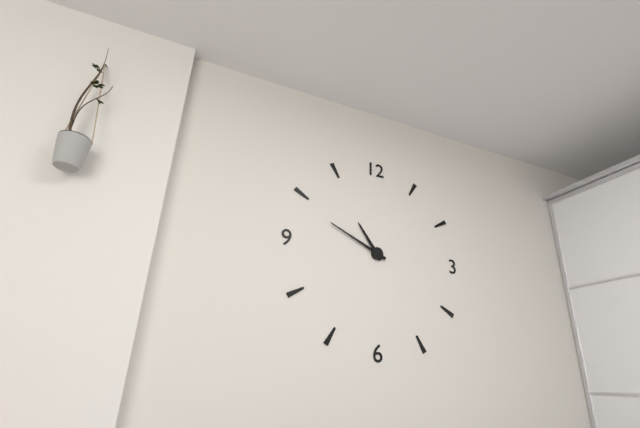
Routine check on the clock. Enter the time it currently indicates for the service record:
10:49
